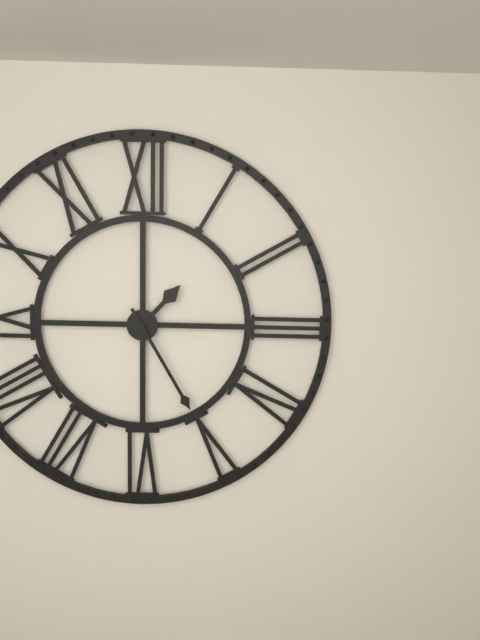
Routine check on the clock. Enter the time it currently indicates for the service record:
1:25
